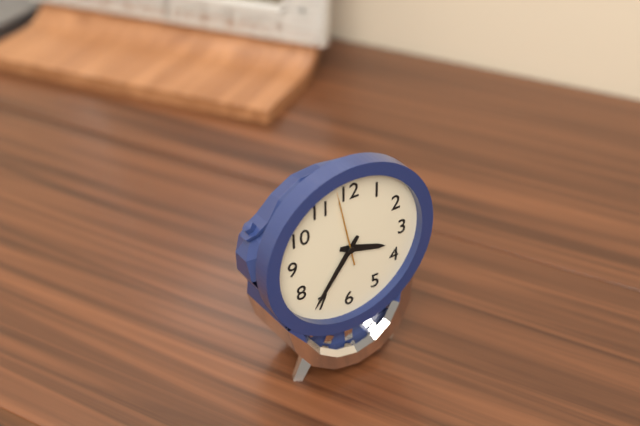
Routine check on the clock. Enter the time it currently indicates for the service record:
3:36:58
